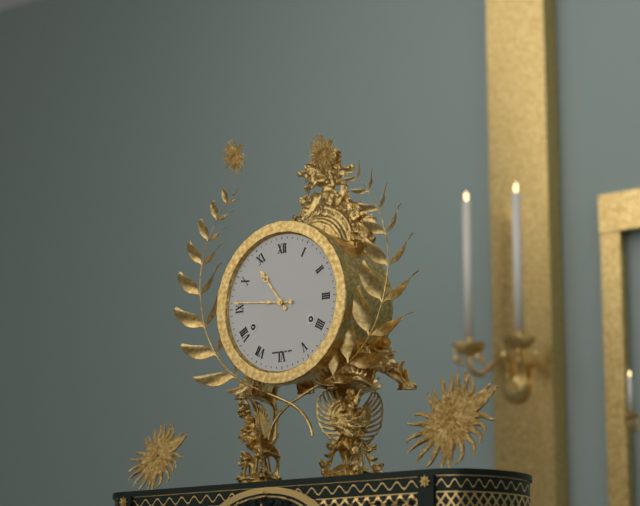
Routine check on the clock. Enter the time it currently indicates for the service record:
10:46
